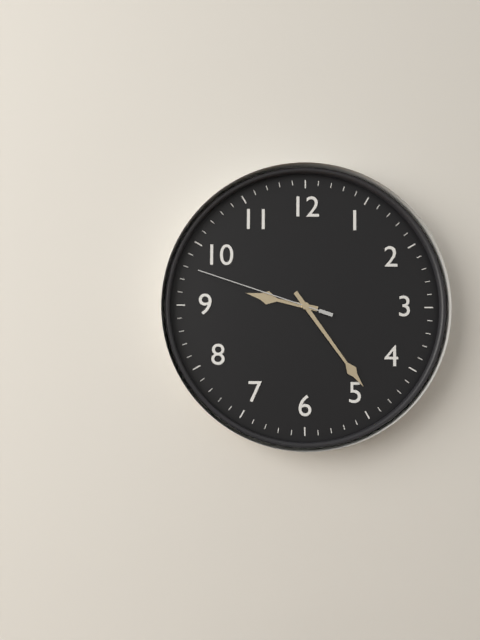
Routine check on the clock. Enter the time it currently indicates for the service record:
9:24:48
